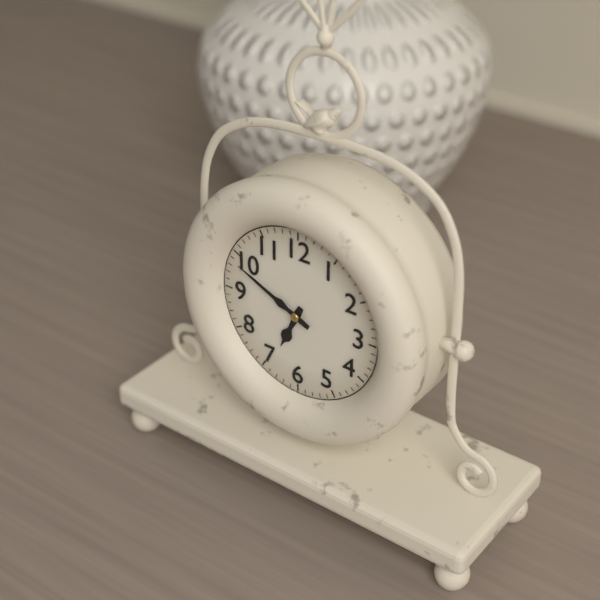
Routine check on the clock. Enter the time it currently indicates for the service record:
6:49
